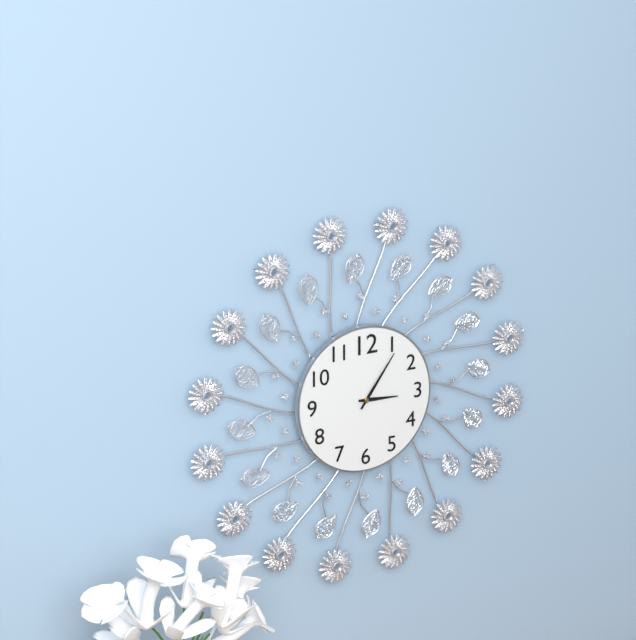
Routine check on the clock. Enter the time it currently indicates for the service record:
3:06
